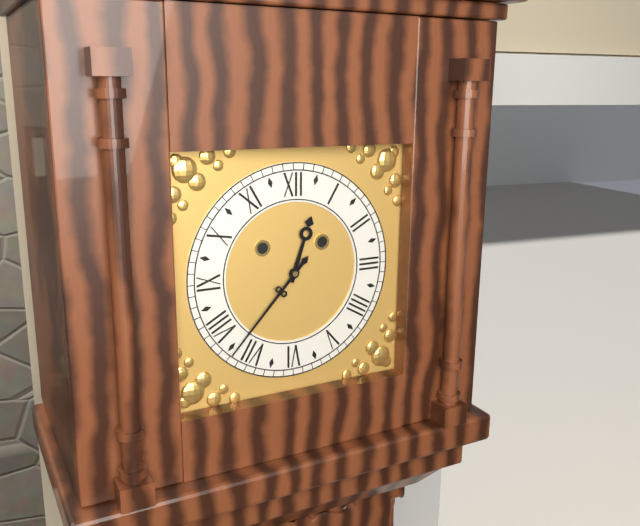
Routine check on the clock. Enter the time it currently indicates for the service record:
12:37
